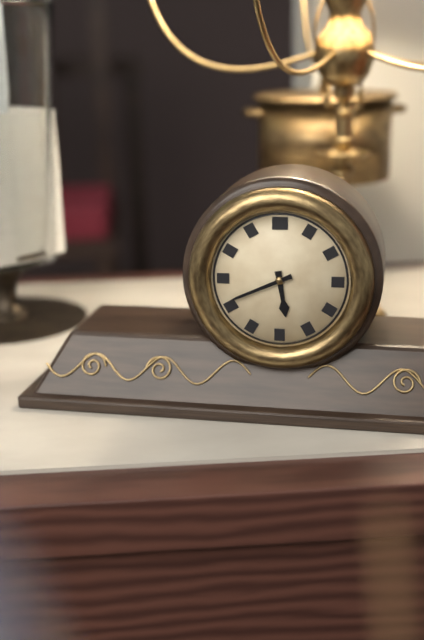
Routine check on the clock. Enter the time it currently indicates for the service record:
5:41
